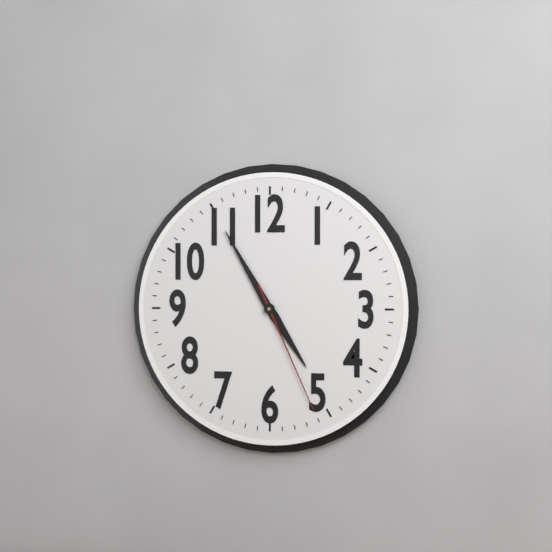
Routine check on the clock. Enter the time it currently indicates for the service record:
4:55:26
